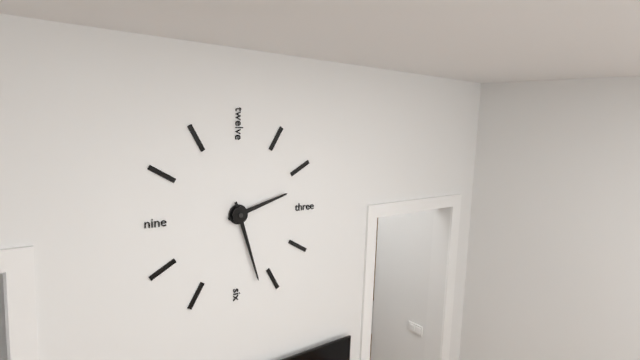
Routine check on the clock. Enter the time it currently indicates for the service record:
2:27
